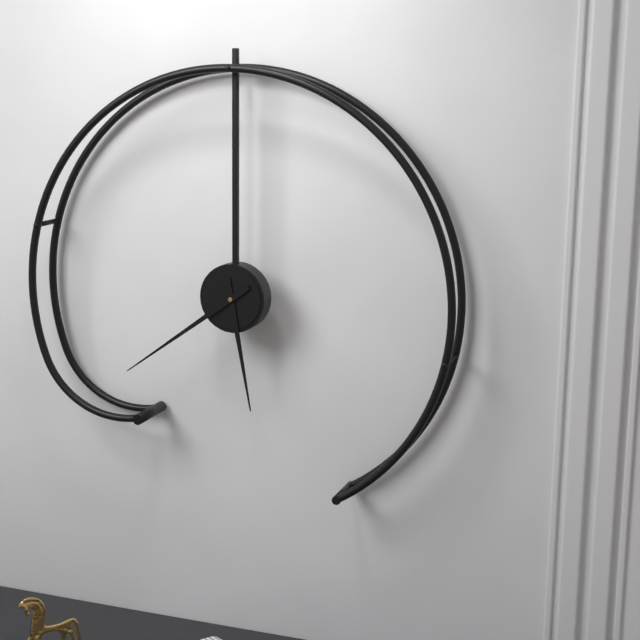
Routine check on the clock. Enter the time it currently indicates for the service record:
5:39
